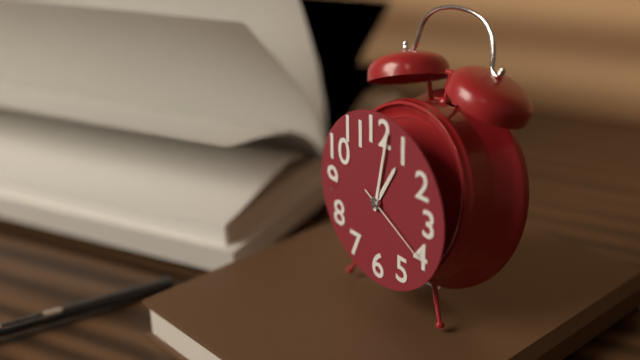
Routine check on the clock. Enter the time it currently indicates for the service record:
1:02:20
